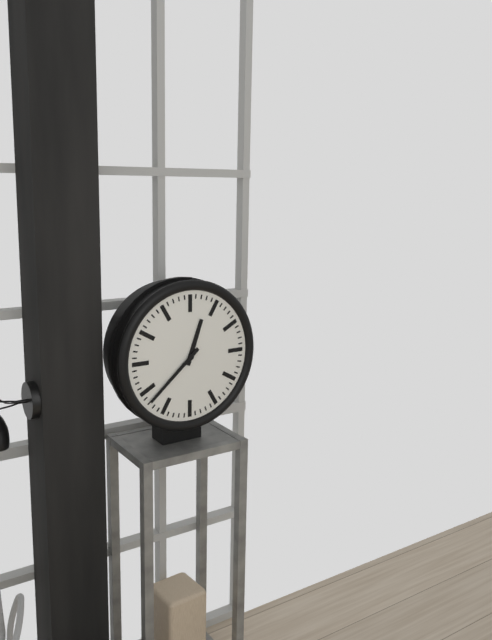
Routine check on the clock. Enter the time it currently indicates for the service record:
12:38
